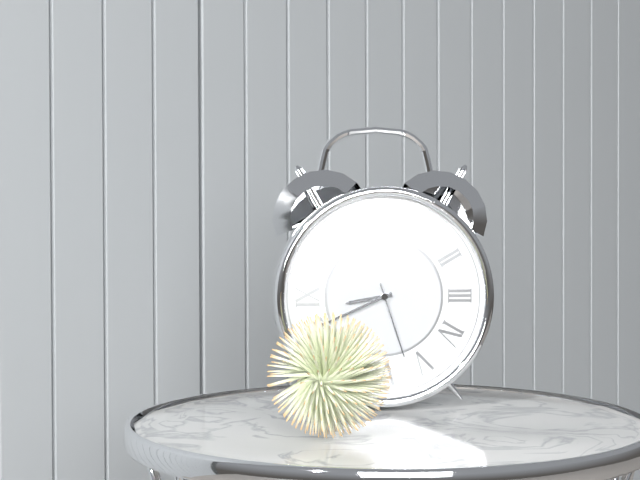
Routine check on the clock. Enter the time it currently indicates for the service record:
8:41:27
